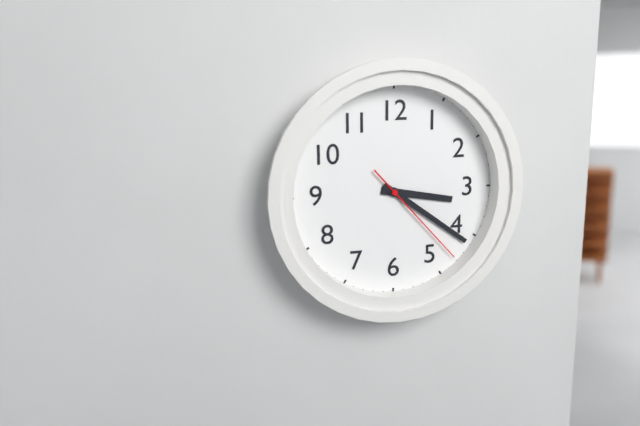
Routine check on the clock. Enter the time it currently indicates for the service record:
3:21:23
